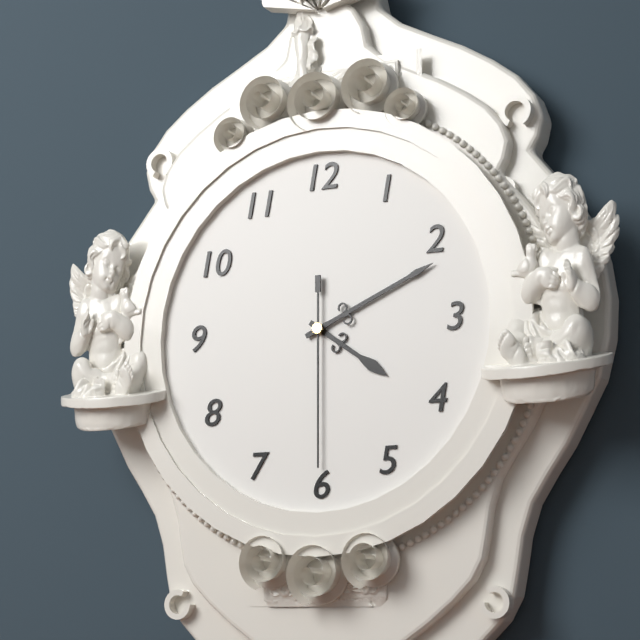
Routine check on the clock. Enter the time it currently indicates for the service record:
4:11:30
